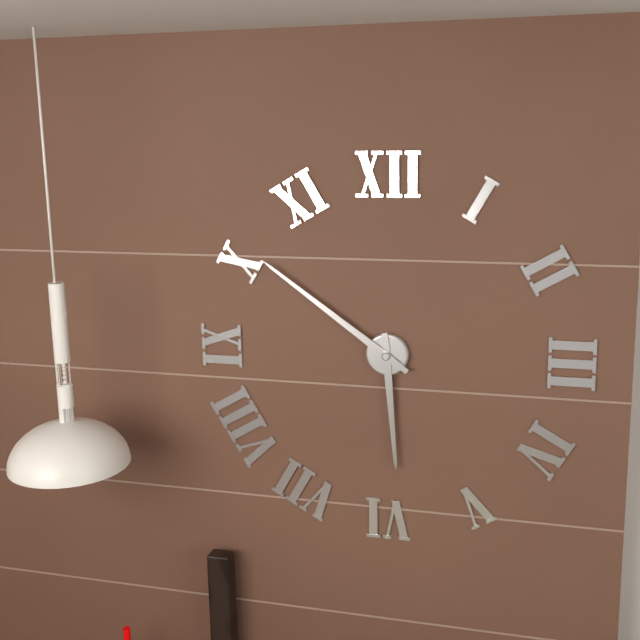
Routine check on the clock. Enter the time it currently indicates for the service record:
5:51
